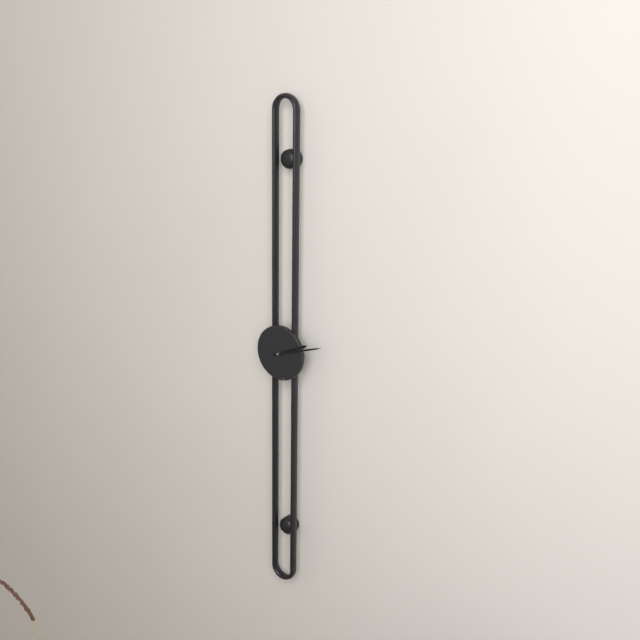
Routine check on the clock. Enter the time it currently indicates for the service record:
2:12
